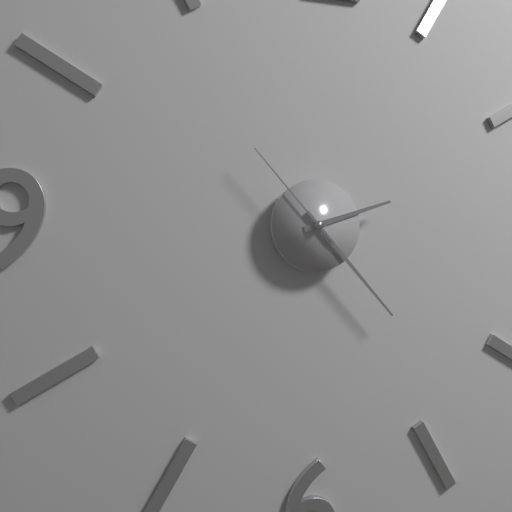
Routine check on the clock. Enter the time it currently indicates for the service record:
2:23:53
